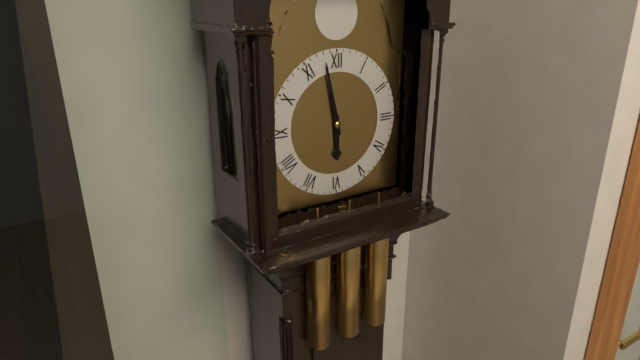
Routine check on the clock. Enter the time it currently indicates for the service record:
5:58
